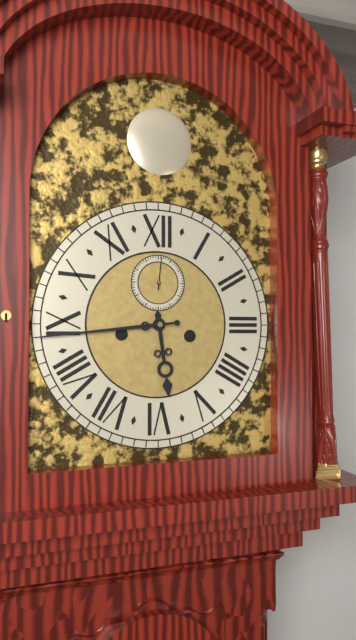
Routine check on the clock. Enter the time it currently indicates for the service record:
5:44
